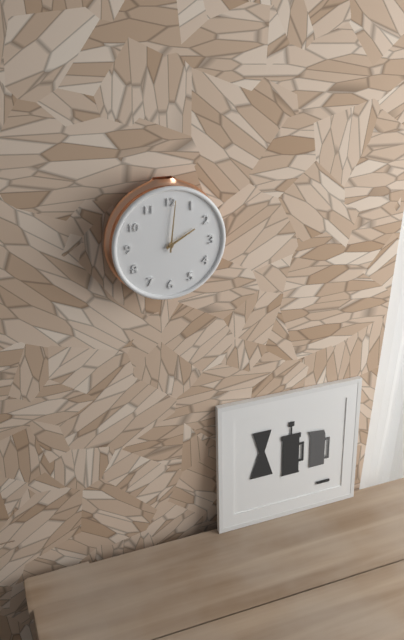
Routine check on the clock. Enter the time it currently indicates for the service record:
2:01
